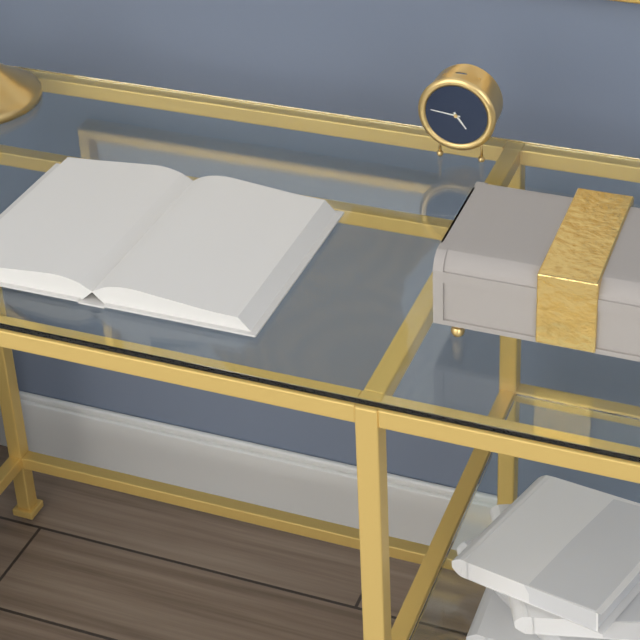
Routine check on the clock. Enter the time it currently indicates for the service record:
4:46
